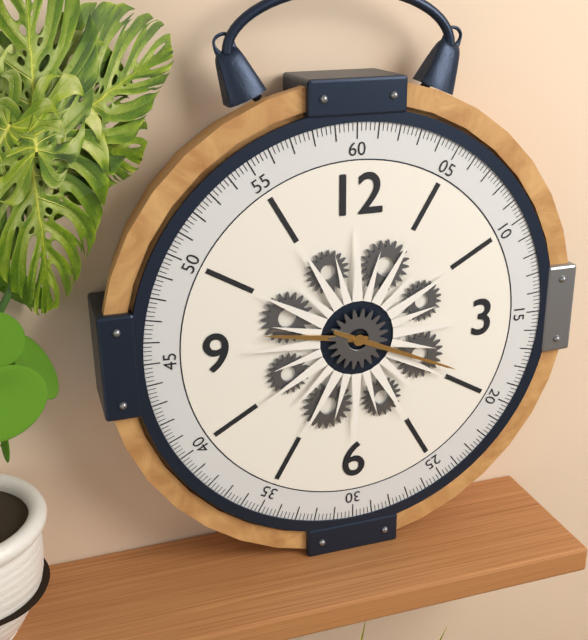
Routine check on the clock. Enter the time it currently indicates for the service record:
9:19
